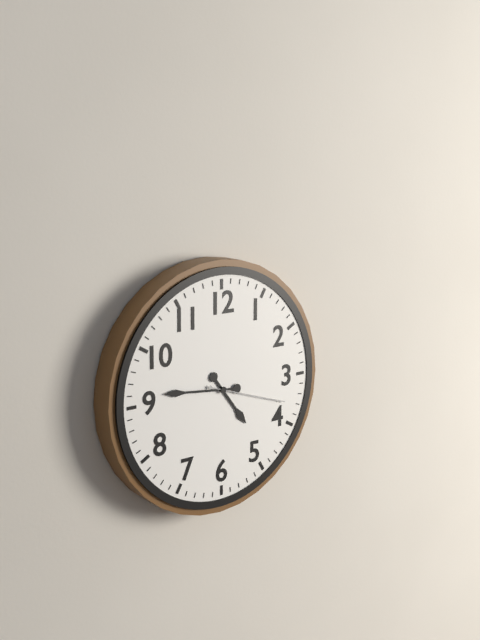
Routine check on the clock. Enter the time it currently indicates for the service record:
4:46:18
